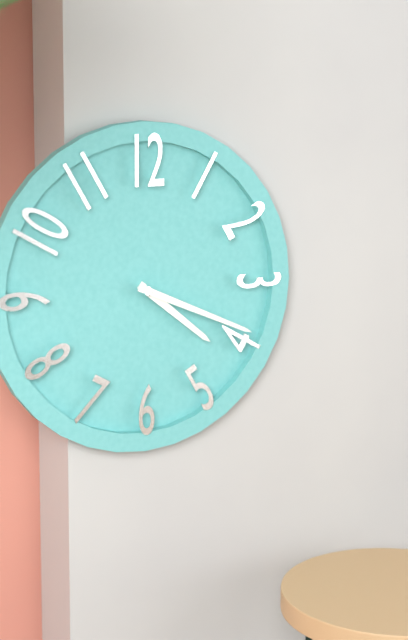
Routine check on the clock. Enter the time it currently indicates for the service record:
4:19
